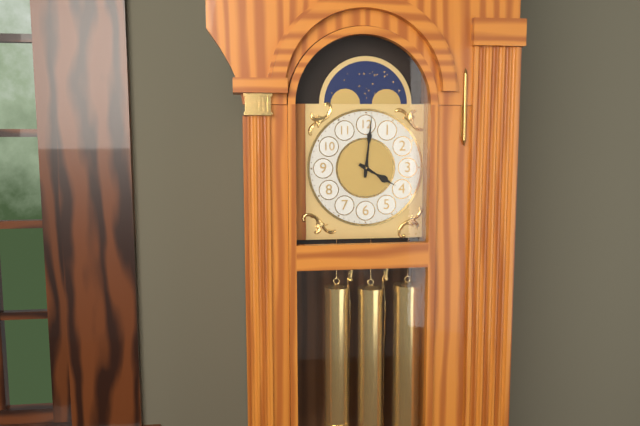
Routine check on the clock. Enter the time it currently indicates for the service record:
4:01
